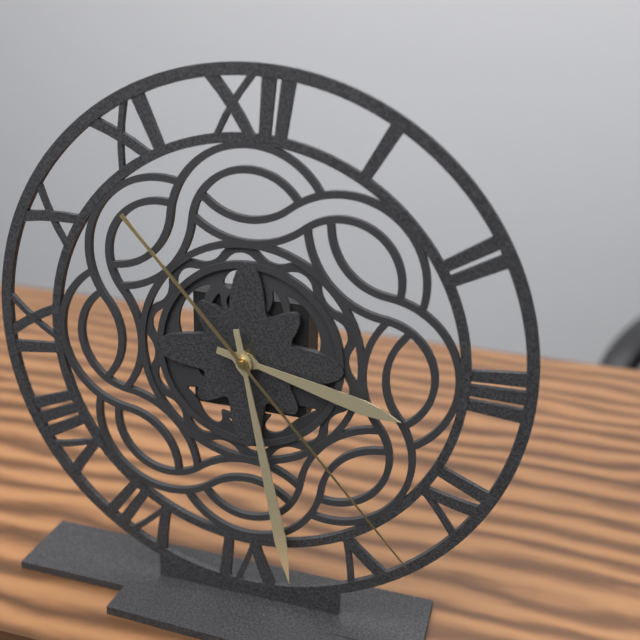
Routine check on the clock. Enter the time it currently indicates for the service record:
3:28:23
